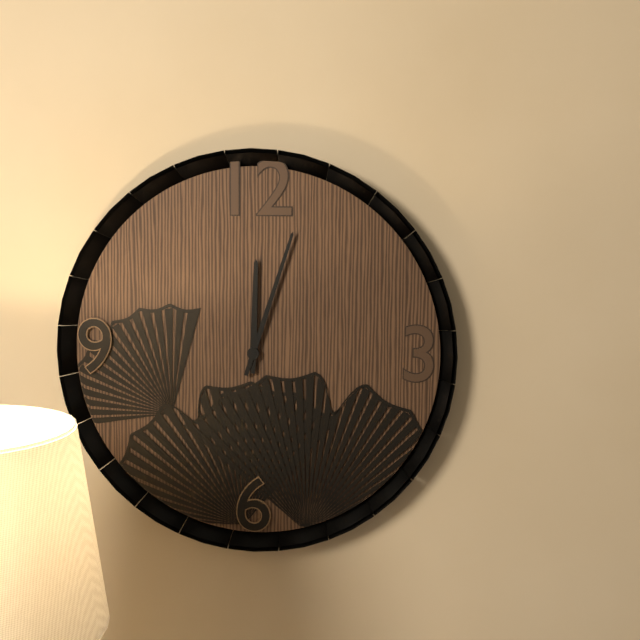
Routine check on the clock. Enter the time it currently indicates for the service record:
12:03
